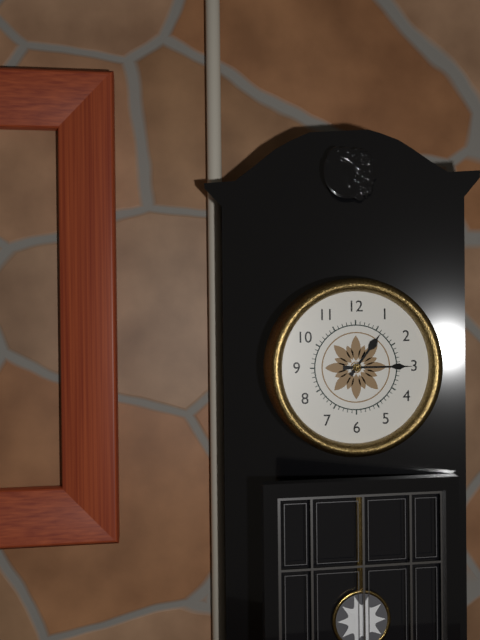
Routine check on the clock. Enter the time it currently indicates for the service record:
1:15
